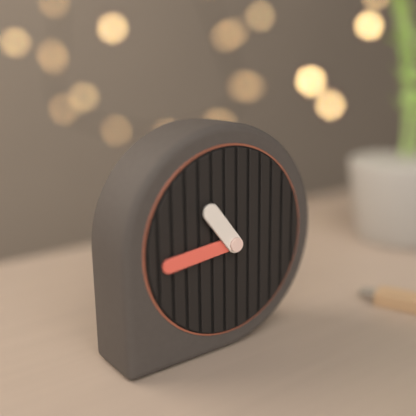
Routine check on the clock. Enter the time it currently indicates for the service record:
10:44
